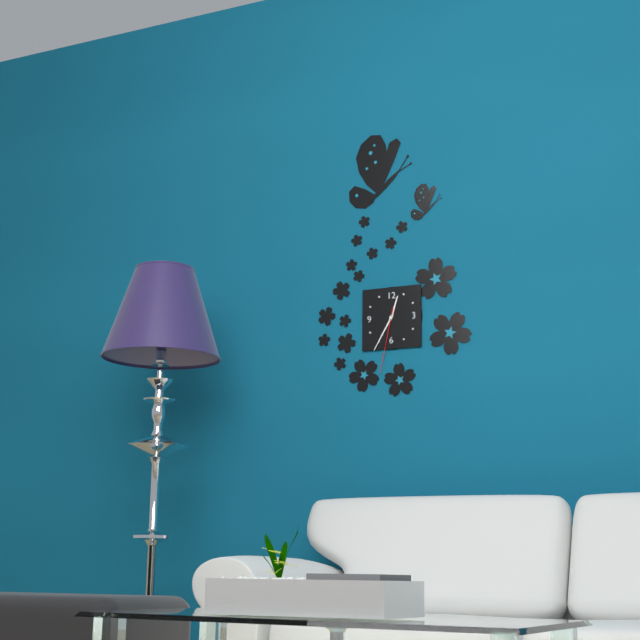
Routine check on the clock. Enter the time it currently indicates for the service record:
12:35:32
